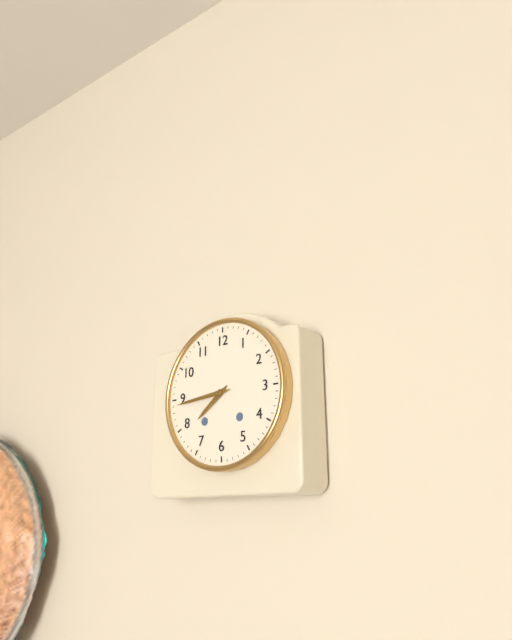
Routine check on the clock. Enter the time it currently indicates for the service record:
7:44
